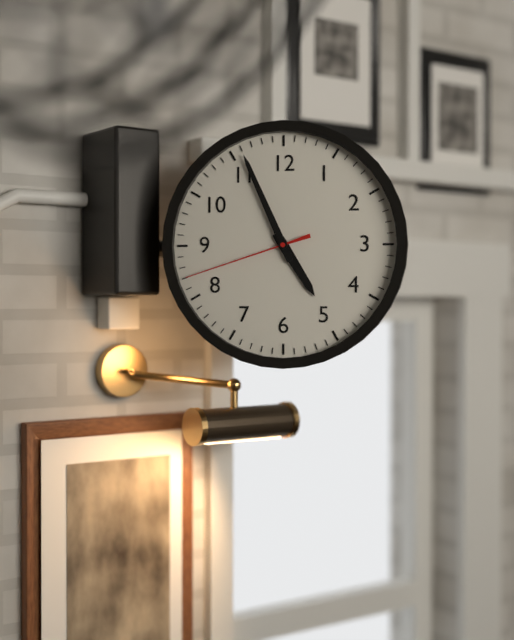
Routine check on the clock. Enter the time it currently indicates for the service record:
4:56:42
